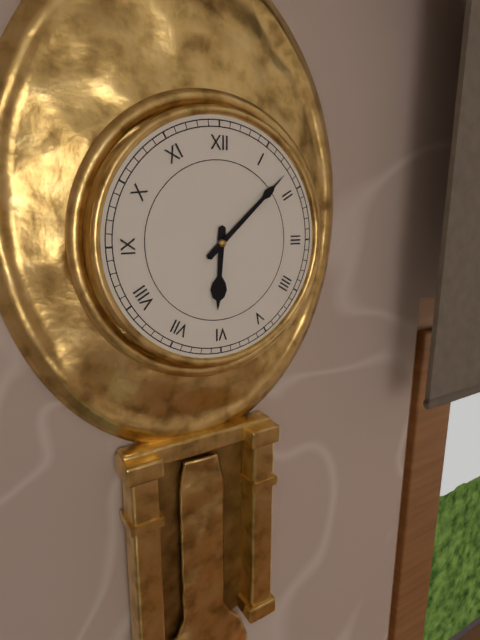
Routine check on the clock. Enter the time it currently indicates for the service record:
6:08
